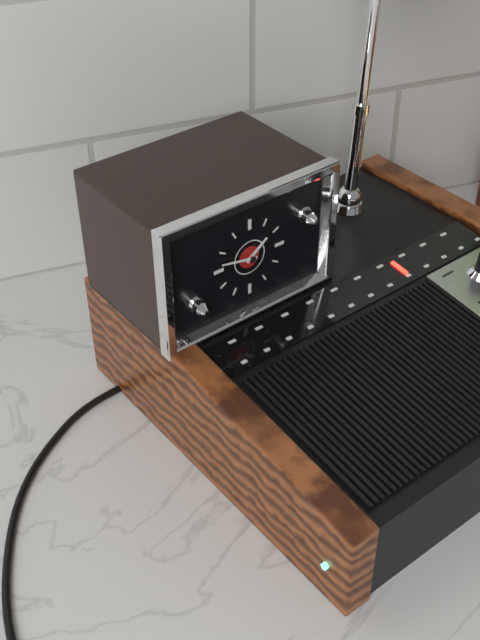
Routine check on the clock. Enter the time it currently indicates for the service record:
1:47
